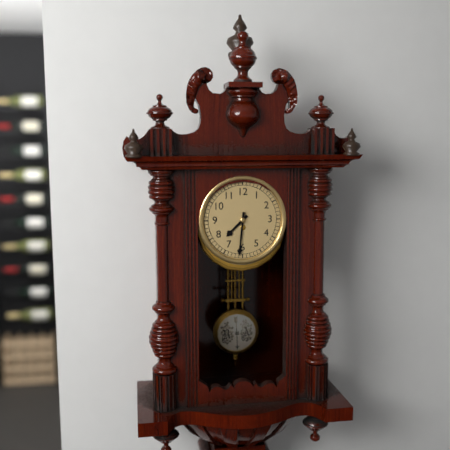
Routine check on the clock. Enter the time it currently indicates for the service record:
7:31
